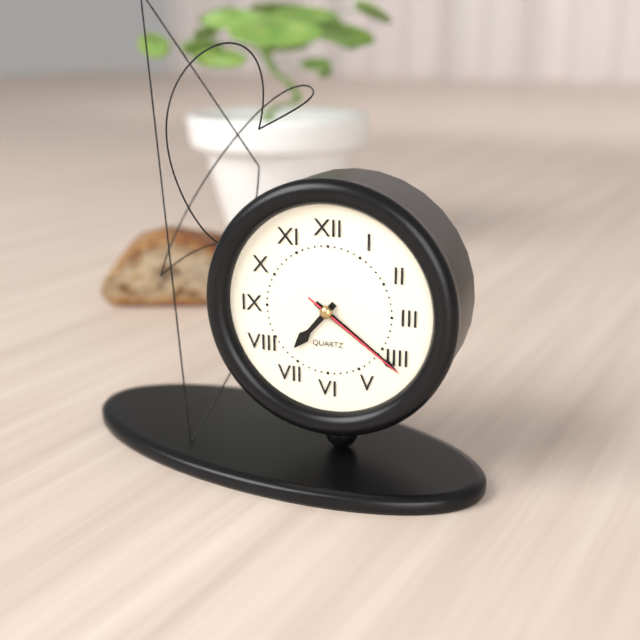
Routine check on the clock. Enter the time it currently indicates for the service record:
7:21:21
